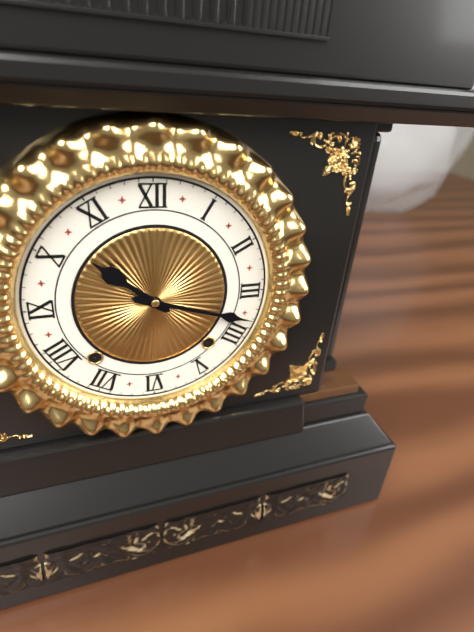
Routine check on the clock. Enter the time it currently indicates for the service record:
10:18
